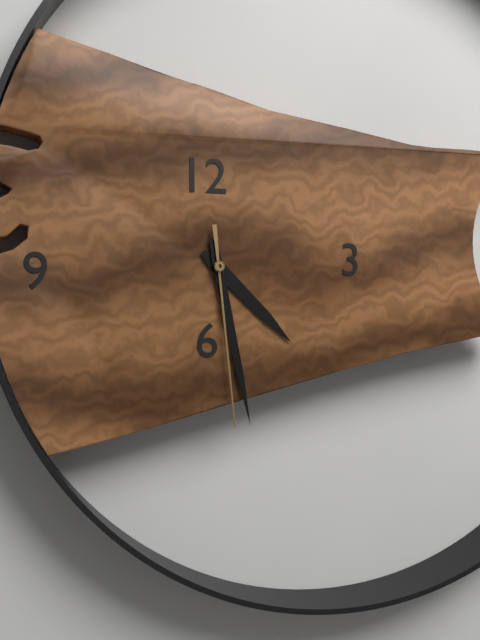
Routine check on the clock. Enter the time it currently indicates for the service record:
4:28:29
